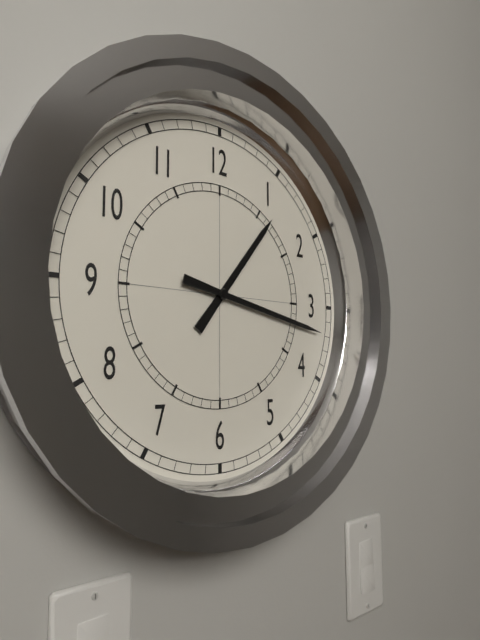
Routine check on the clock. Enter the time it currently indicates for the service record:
1:17
